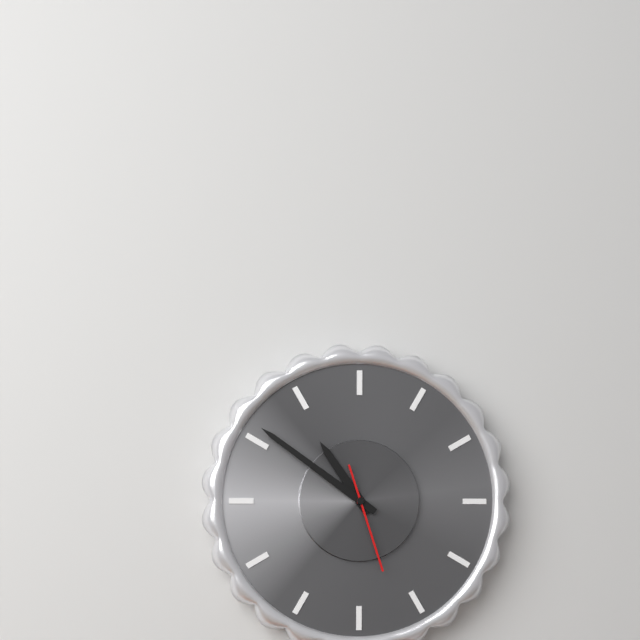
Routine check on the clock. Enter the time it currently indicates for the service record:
10:51:27
